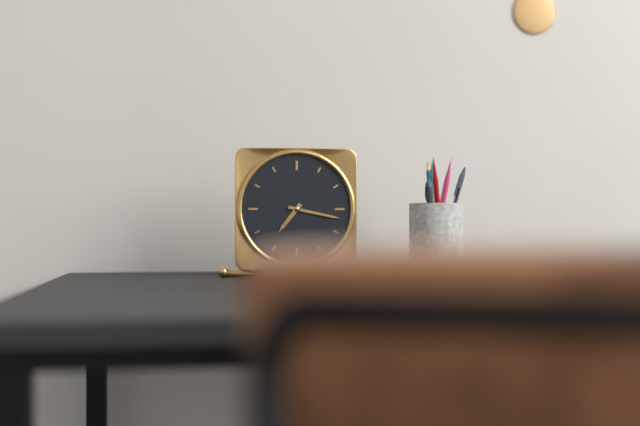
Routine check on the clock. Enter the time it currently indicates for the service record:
7:17
